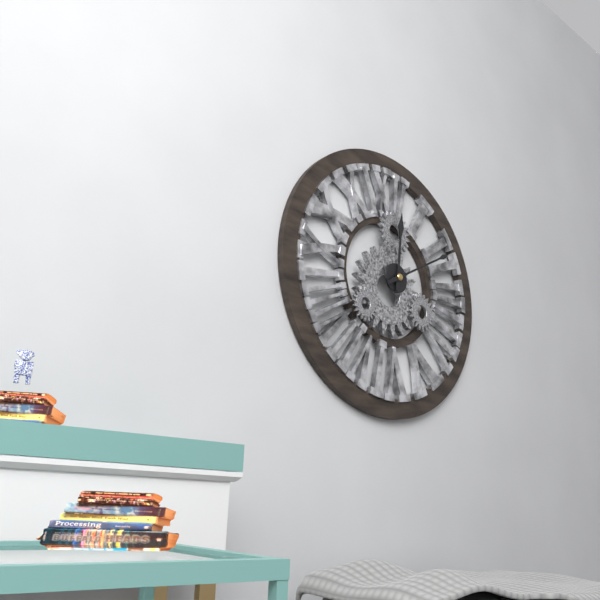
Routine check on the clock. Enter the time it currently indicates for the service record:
12:10
